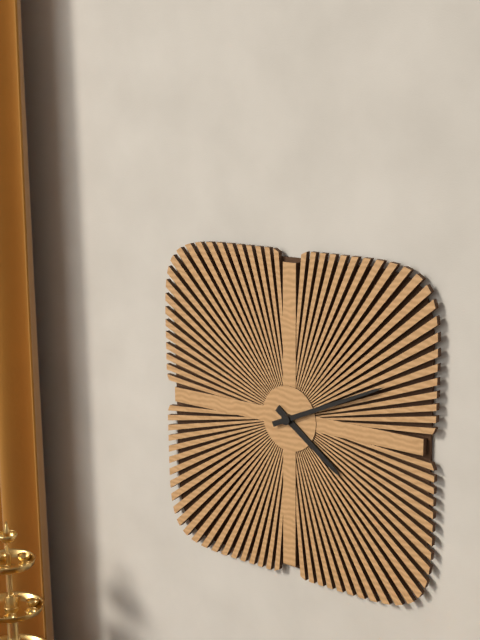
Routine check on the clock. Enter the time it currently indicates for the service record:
4:11
